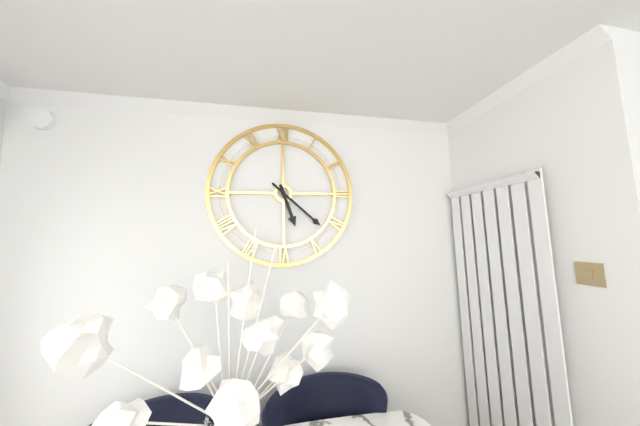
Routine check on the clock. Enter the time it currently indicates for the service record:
5:22
